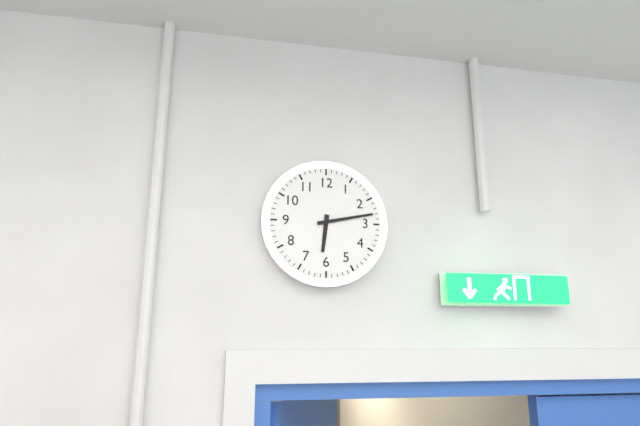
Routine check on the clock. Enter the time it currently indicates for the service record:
6:13
